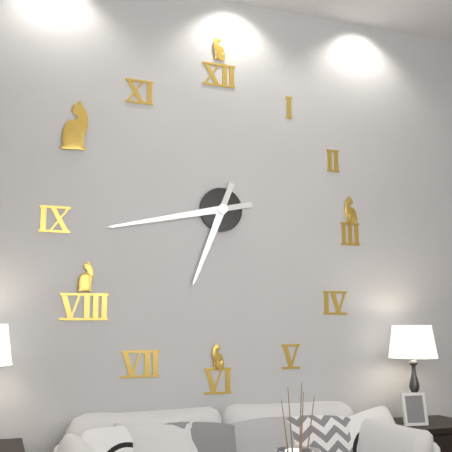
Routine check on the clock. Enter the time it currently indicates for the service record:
6:43
